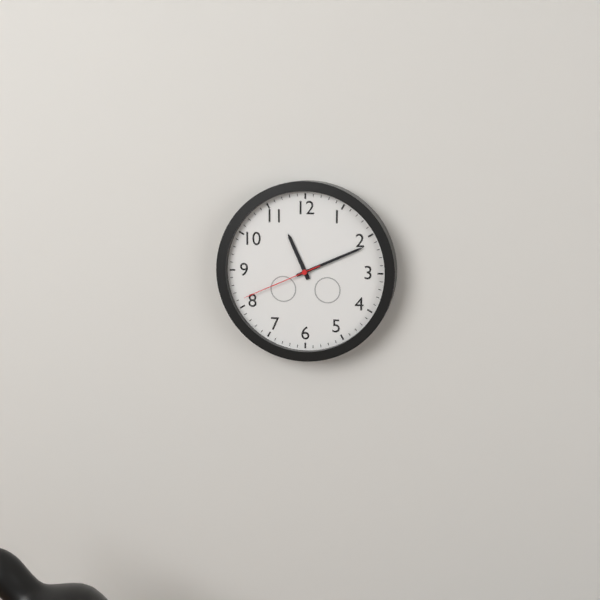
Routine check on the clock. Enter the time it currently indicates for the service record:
11:11:41
